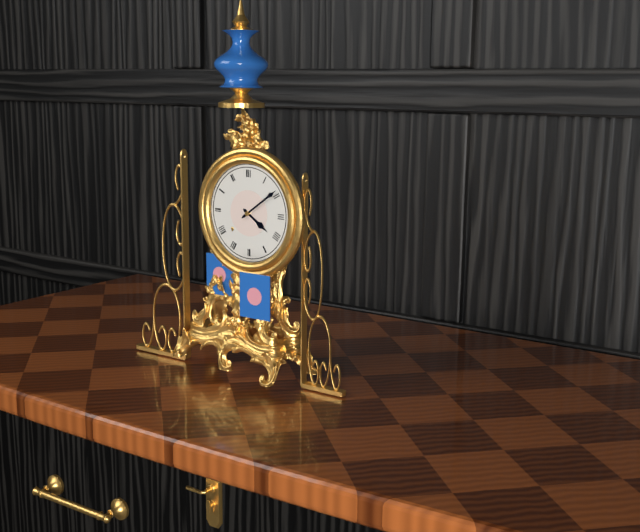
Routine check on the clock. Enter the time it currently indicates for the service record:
4:09
